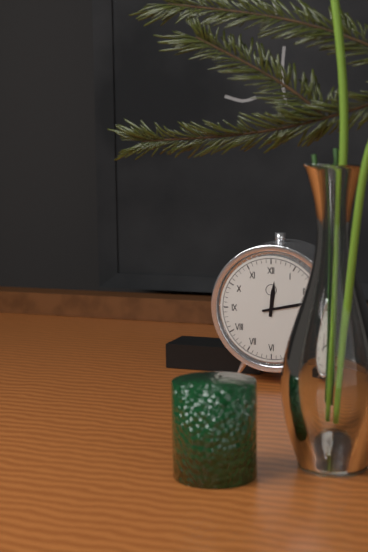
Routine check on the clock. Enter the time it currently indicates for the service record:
12:13
